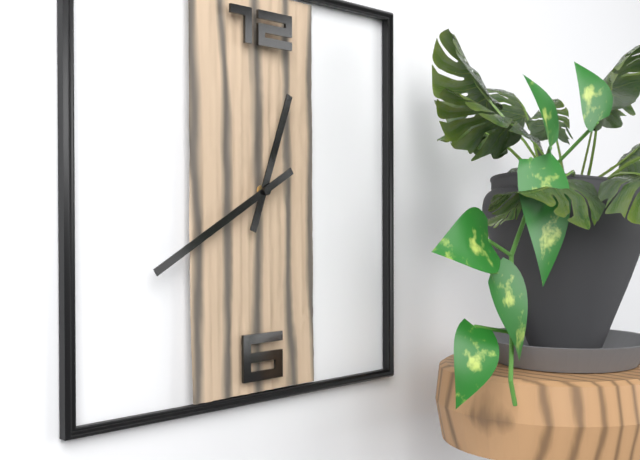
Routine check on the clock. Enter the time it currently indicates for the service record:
12:40
